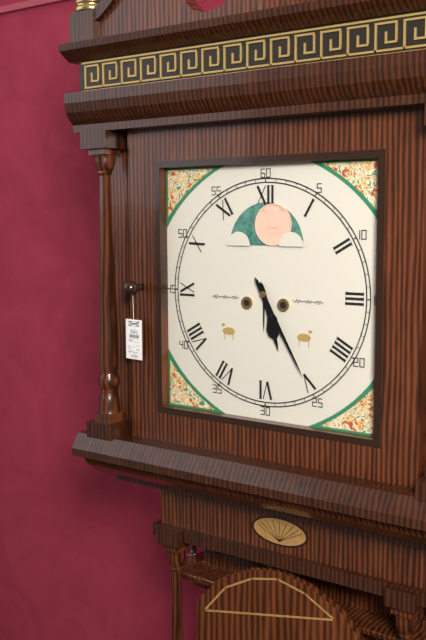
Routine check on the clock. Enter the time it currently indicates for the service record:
5:25
